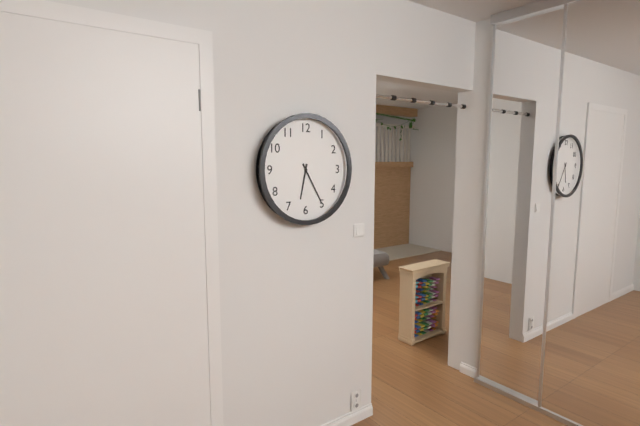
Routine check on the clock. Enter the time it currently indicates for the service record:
6:25
